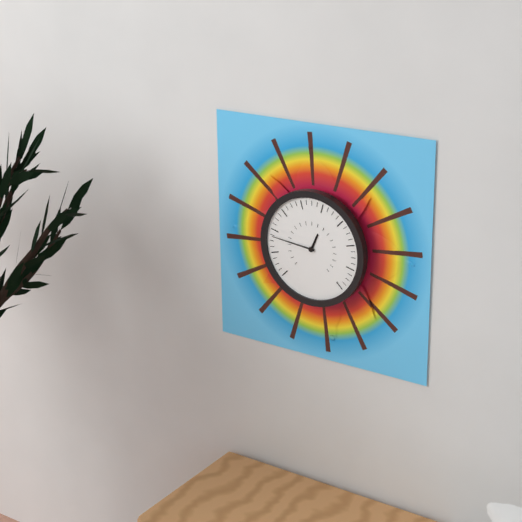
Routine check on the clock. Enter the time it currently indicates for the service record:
12:46
